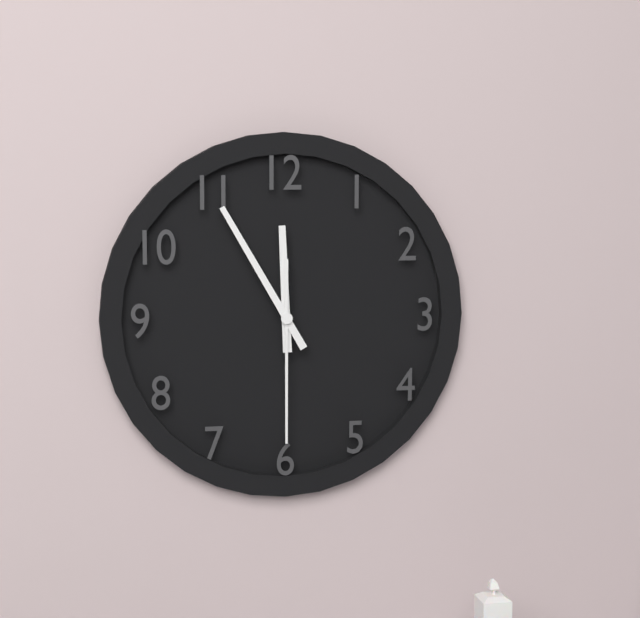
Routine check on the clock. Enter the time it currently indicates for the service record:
11:55:30
